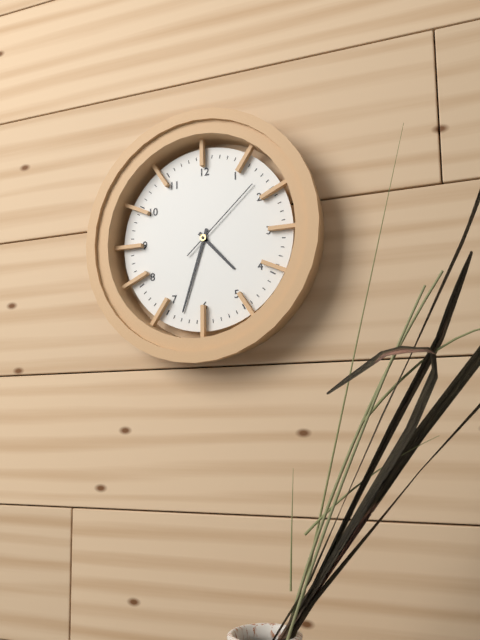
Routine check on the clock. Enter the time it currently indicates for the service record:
4:33:08
